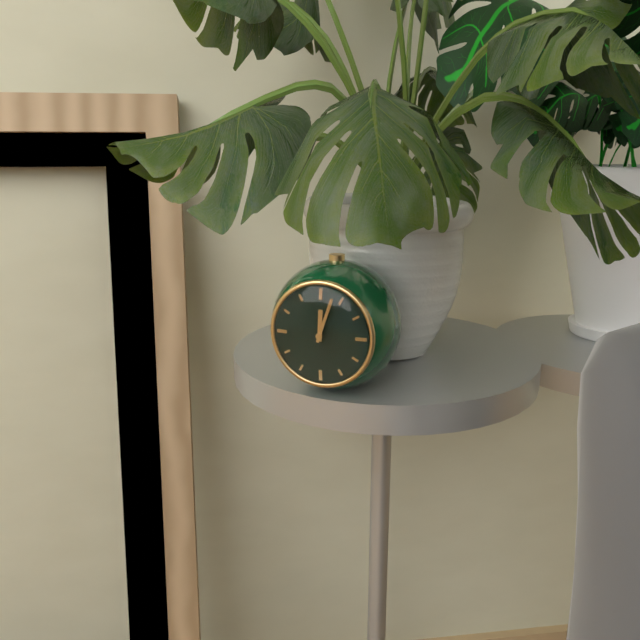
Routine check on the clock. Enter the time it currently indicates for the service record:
12:03
